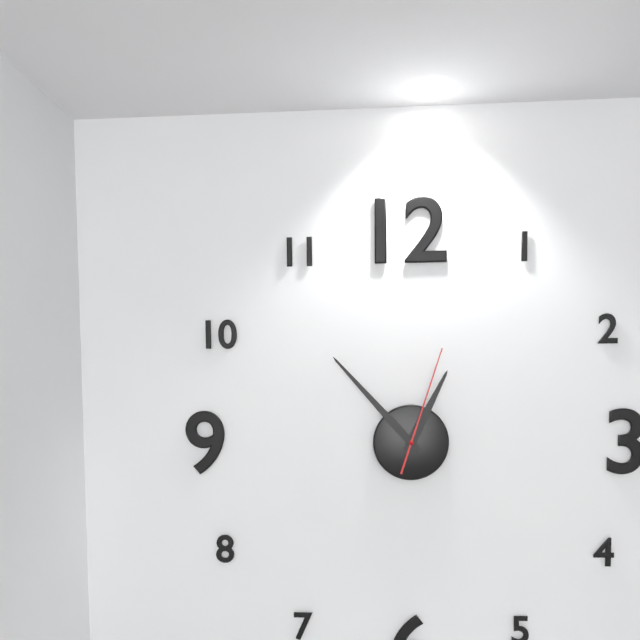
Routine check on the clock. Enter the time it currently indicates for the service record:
12:53:03
